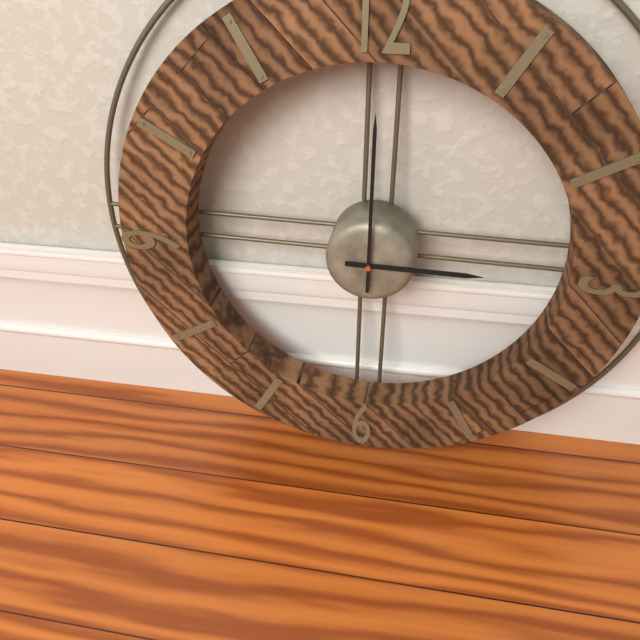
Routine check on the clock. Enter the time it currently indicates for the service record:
3:00
